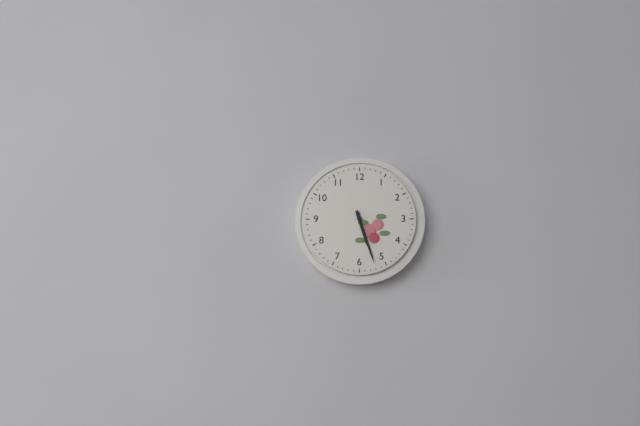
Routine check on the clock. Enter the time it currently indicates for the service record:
5:27
